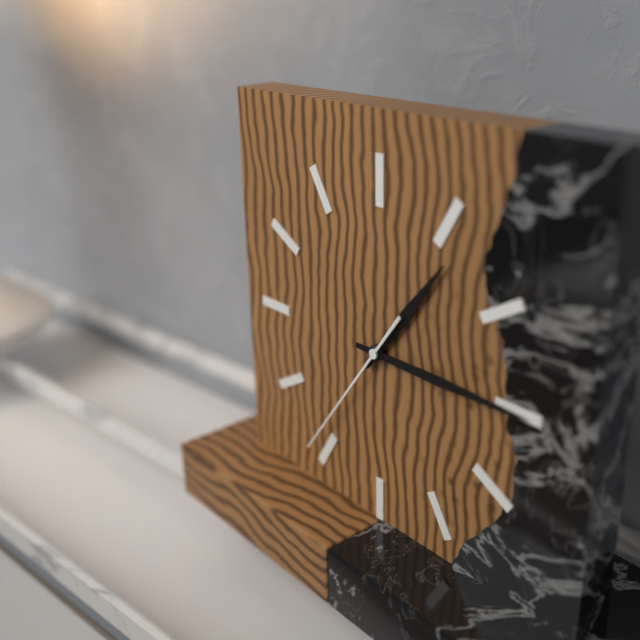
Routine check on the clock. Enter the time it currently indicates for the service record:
1:15:36
